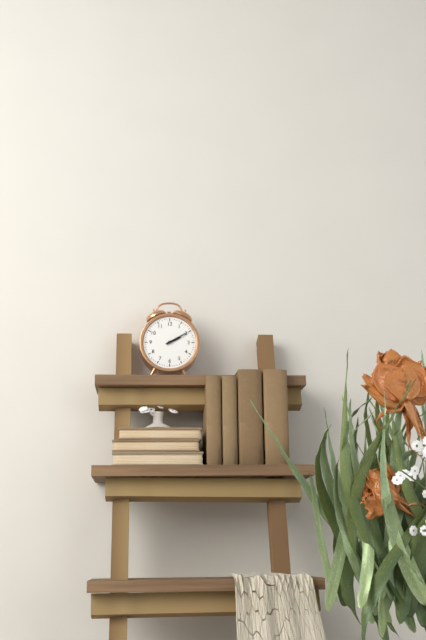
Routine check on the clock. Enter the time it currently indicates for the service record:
2:10
